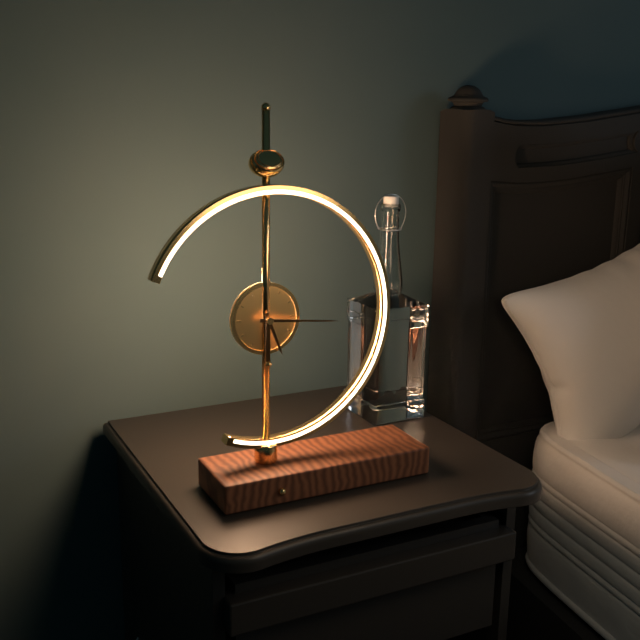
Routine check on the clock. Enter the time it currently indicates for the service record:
5:16
